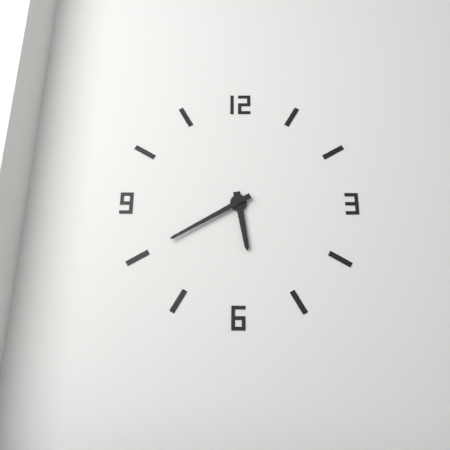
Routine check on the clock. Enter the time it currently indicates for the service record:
5:40
